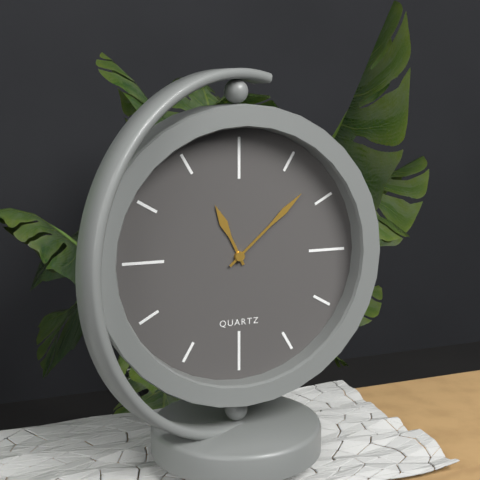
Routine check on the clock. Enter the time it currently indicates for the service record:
11:08
